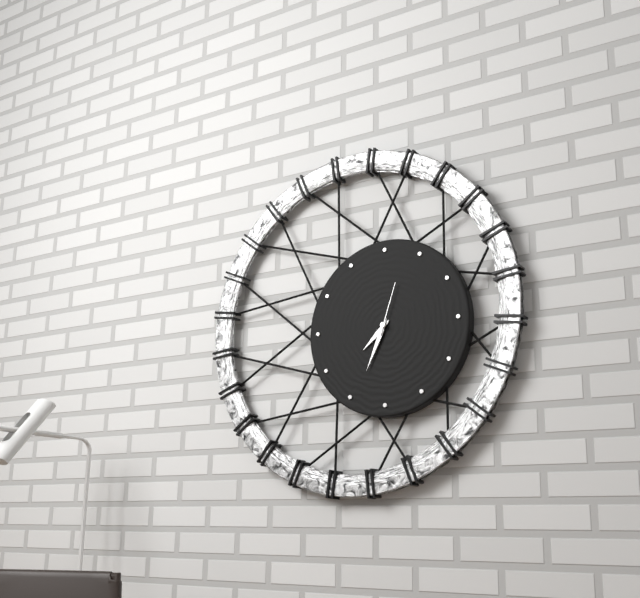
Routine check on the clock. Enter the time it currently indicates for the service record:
7:34:03
